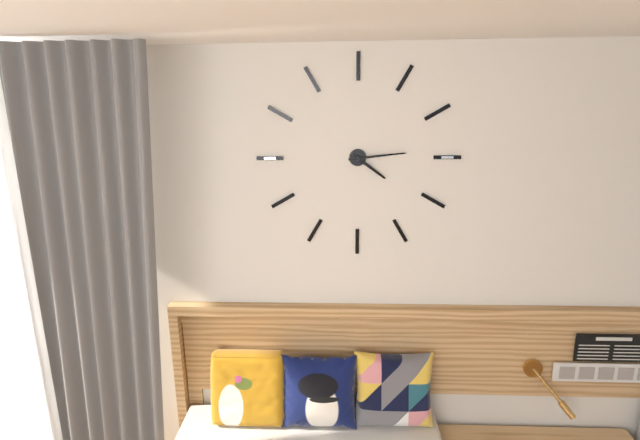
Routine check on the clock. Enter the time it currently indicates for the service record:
4:14
